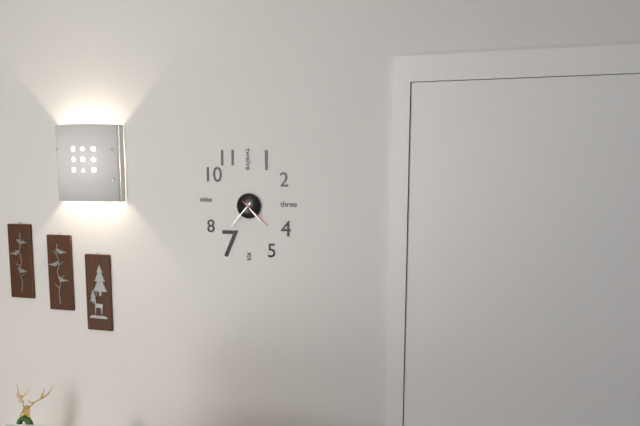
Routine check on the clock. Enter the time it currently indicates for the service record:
4:37
